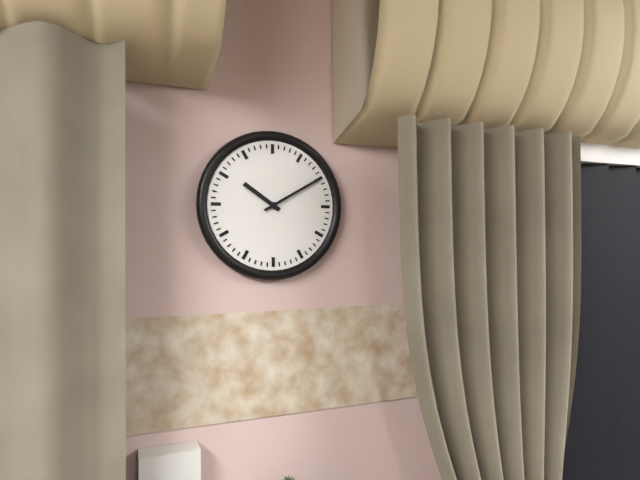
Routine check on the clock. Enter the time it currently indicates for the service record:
10:10
